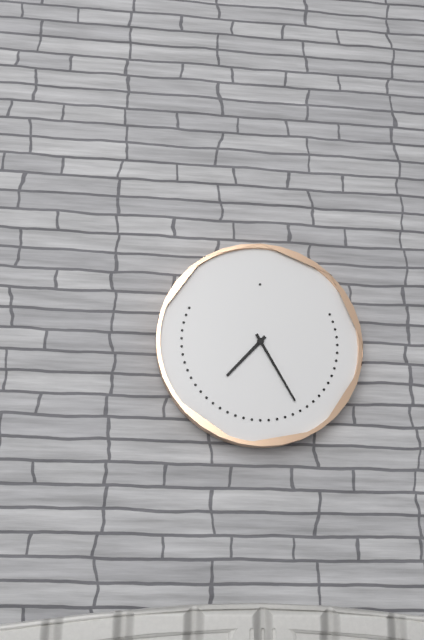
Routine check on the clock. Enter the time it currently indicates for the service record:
7:25
